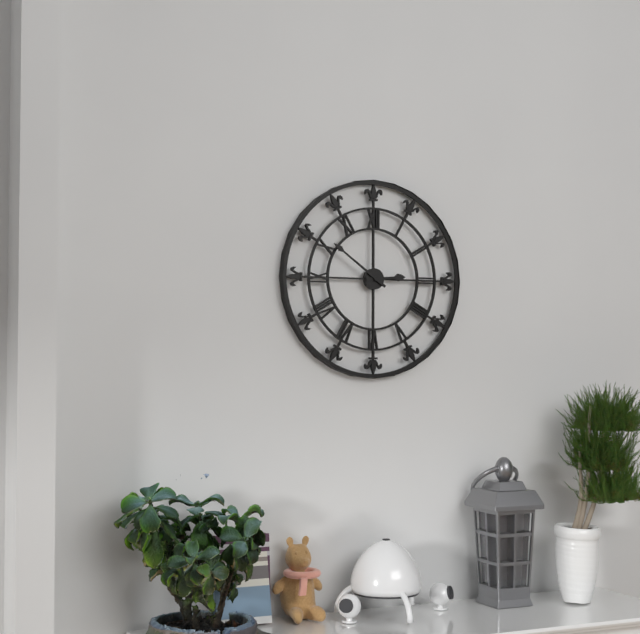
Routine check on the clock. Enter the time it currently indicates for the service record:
2:51
